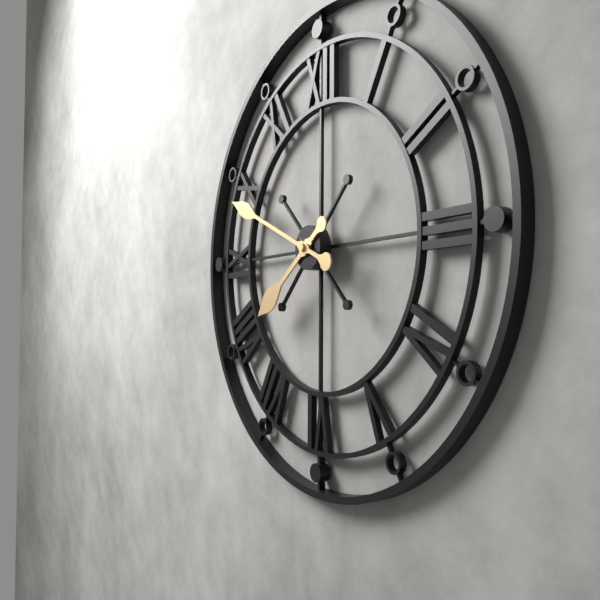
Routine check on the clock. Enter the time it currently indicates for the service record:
7:49
